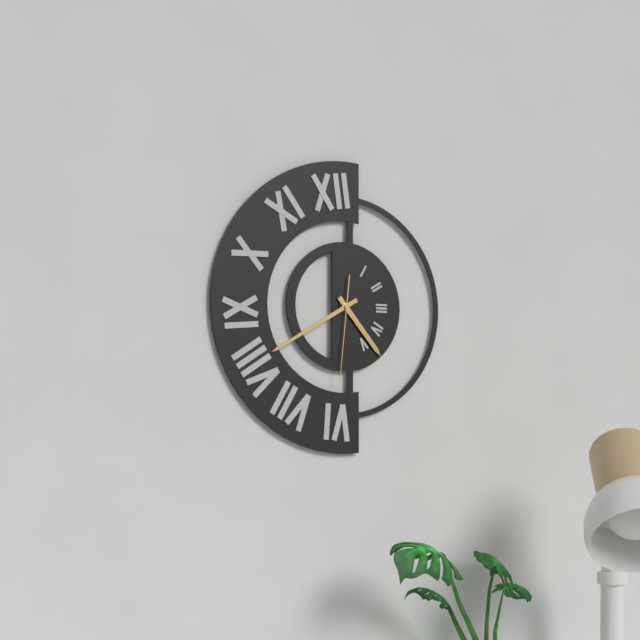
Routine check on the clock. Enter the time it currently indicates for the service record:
4:40:31
